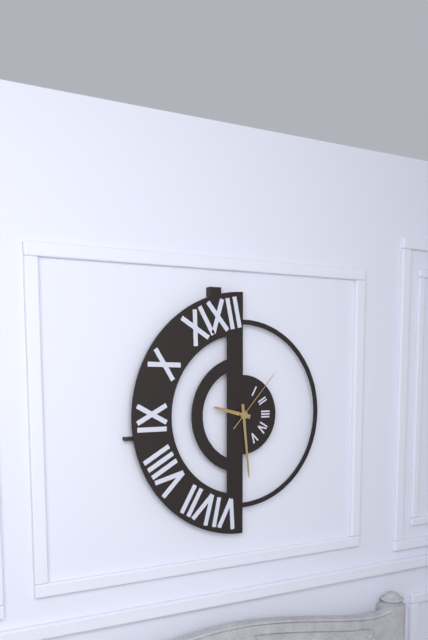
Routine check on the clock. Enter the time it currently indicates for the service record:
9:29:07
